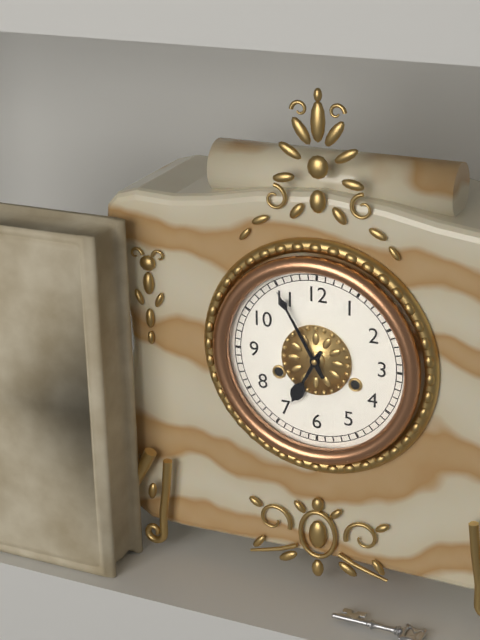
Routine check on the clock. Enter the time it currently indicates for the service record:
6:55
